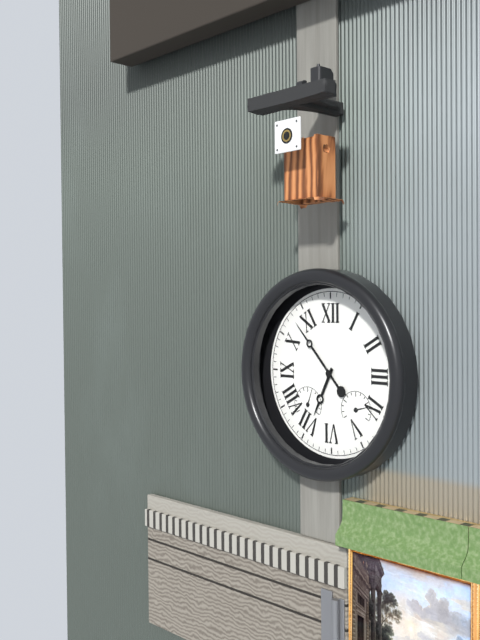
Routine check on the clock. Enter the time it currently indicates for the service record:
6:53
